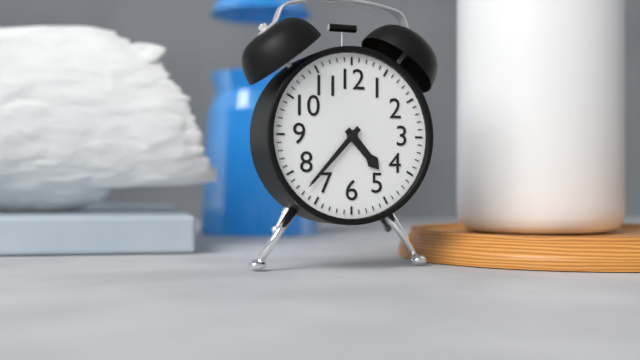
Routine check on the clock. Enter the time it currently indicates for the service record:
4:37
